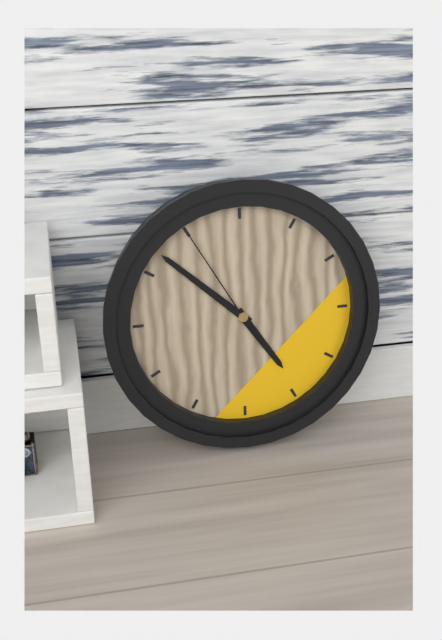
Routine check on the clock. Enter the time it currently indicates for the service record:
4:52:55
